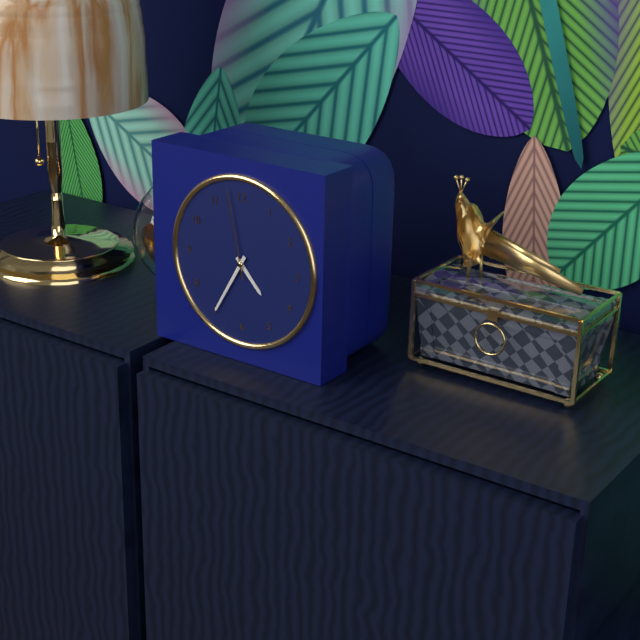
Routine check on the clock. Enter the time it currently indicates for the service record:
4:35:58
